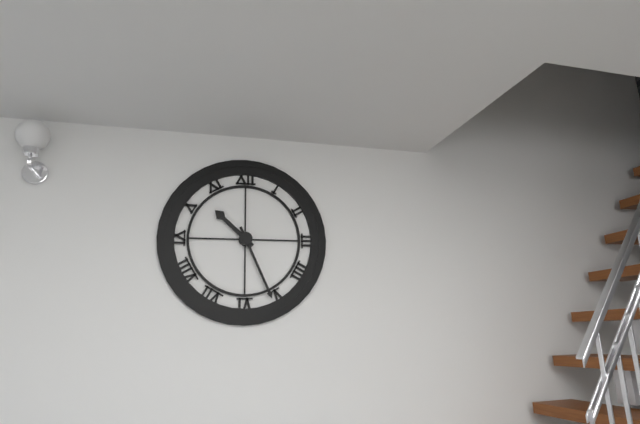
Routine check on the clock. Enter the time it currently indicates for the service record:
10:26
